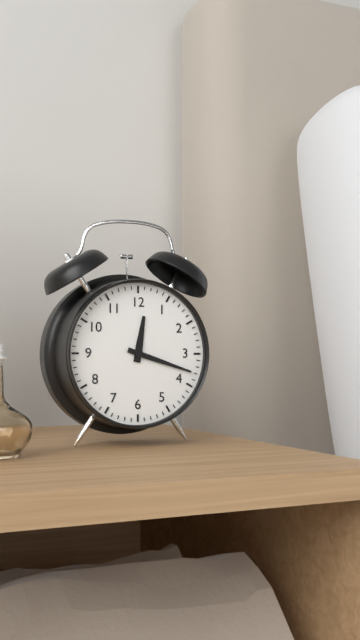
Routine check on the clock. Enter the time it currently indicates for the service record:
12:18
